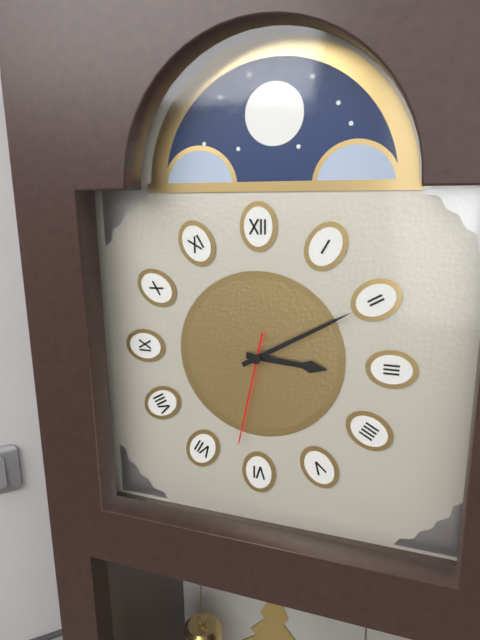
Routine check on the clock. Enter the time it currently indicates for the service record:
3:10:32
